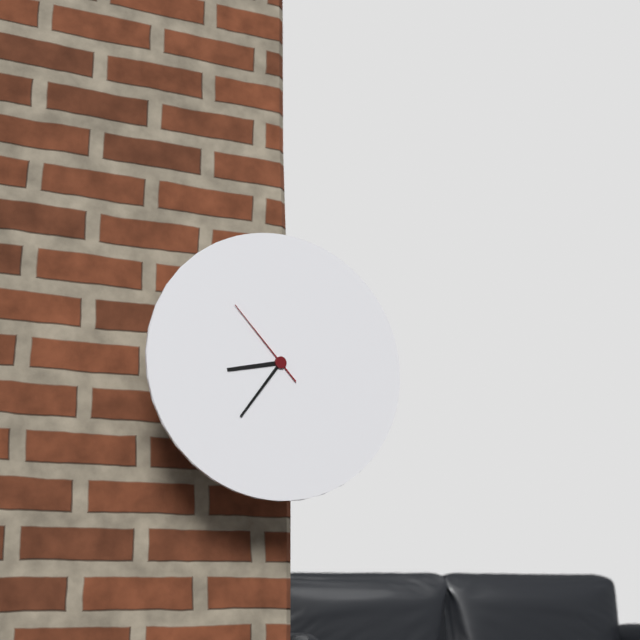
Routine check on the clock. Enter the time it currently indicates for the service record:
8:36:53
